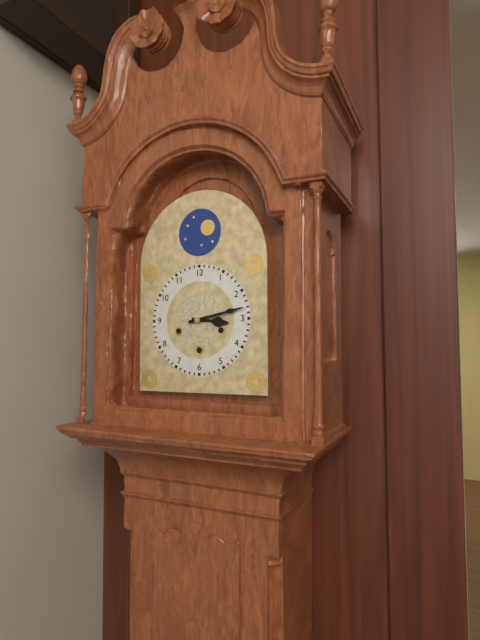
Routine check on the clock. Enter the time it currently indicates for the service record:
3:13
